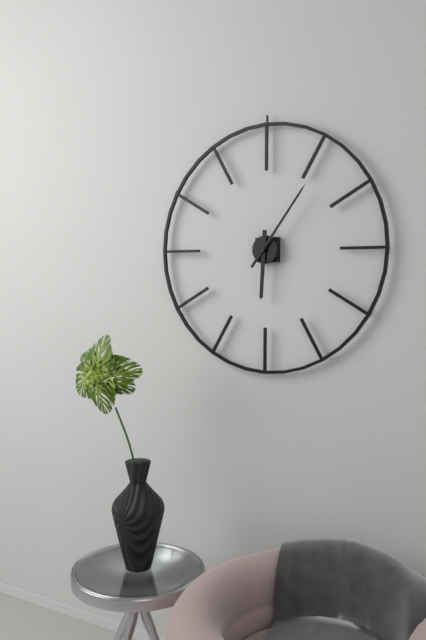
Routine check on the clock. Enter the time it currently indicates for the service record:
6:06
